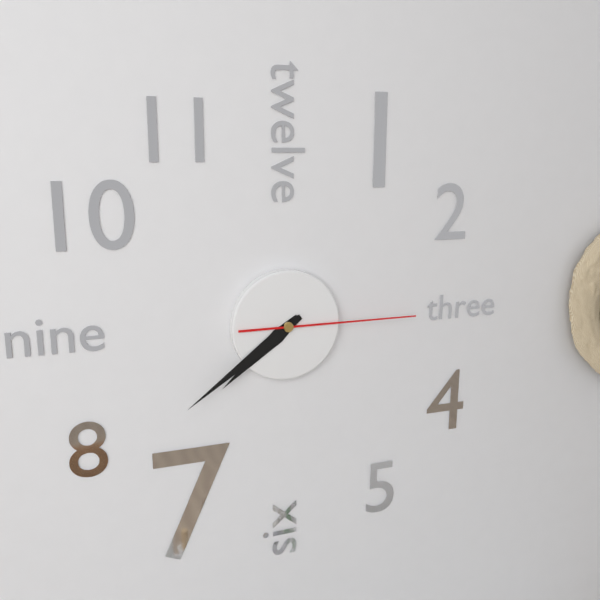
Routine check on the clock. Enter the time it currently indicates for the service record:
7:39:15
